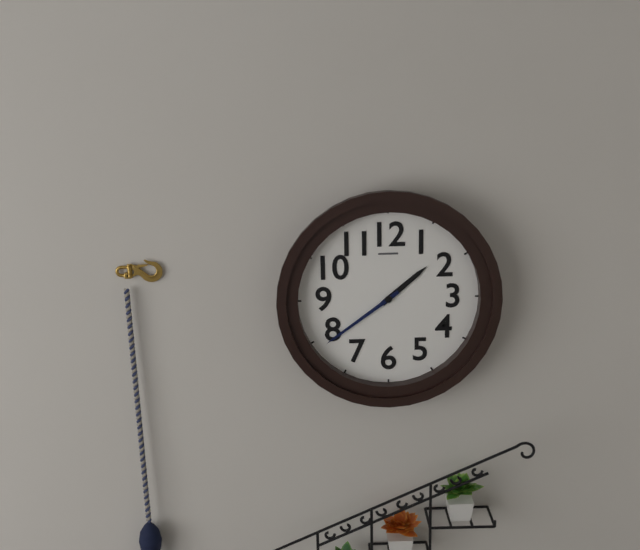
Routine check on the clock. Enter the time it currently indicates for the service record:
1:39
